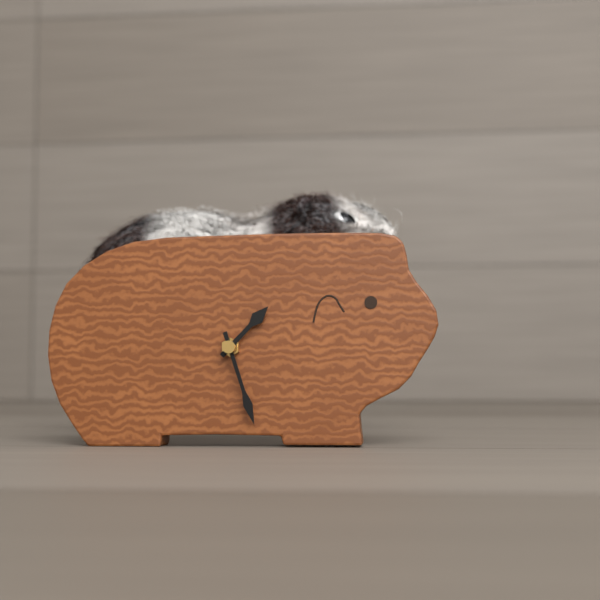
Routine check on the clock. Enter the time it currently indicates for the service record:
1:27
